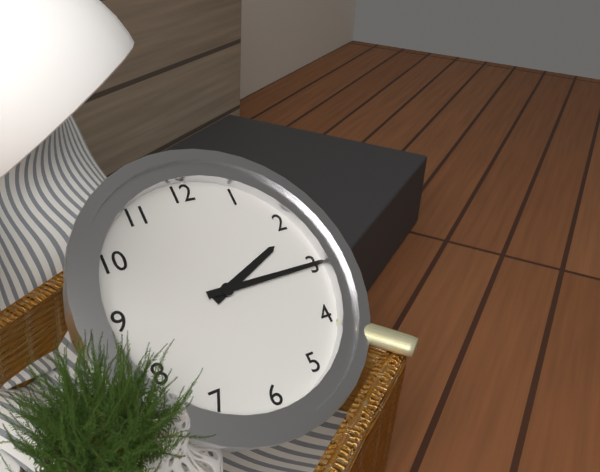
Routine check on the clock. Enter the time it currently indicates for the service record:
2:15
